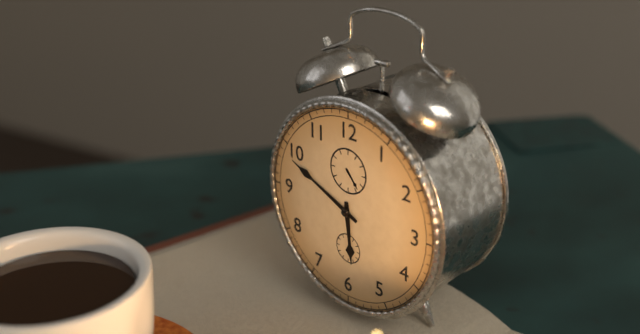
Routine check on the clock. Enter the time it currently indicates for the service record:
5:49
